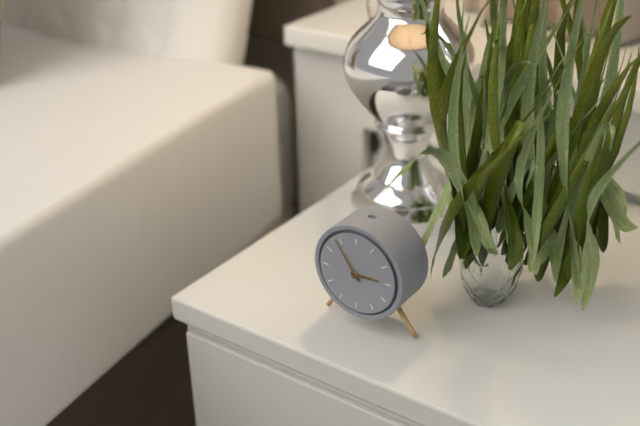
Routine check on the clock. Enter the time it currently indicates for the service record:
2:54
